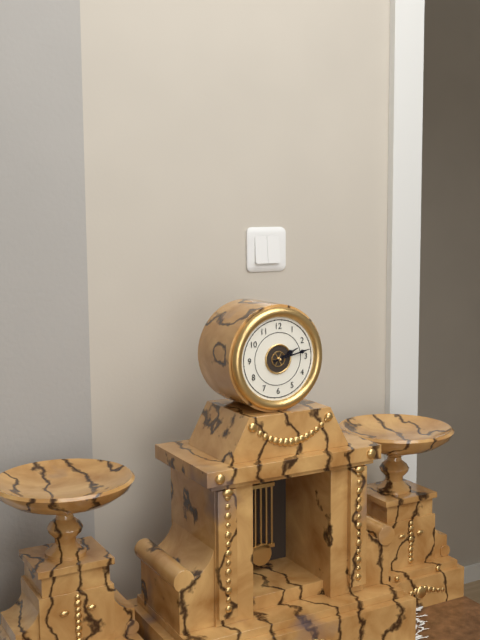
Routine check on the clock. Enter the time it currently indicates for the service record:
2:13
